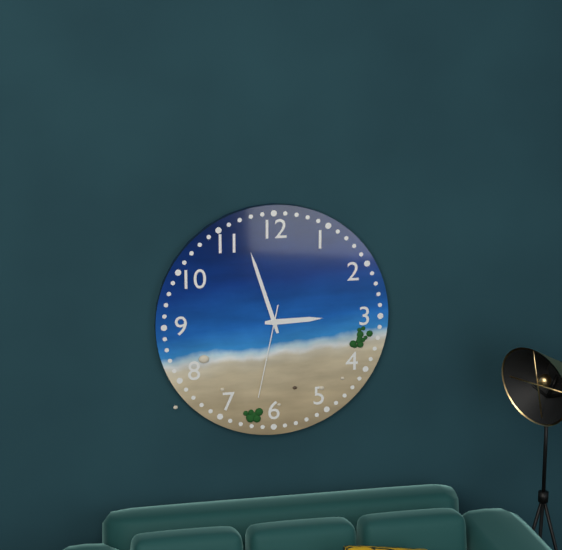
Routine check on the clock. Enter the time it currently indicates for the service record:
2:57:32
